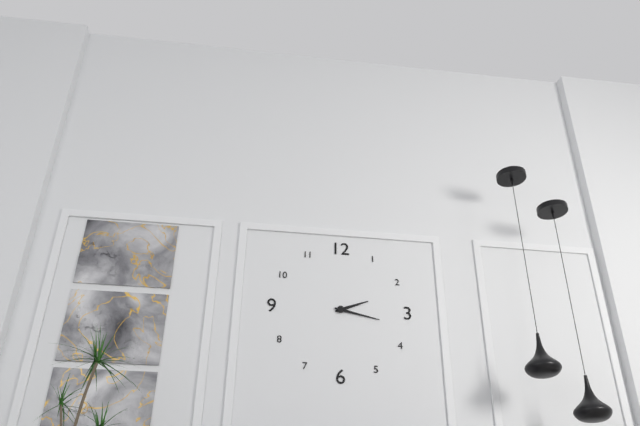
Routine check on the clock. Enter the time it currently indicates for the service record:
2:17
